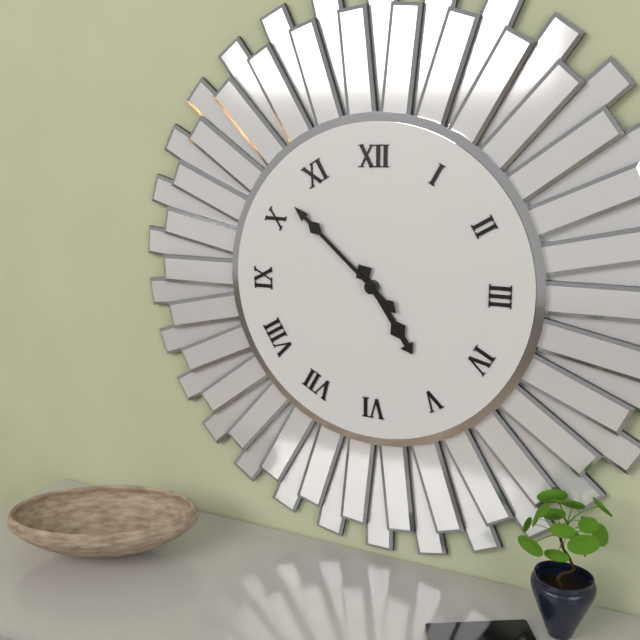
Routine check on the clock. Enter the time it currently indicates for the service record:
4:52
